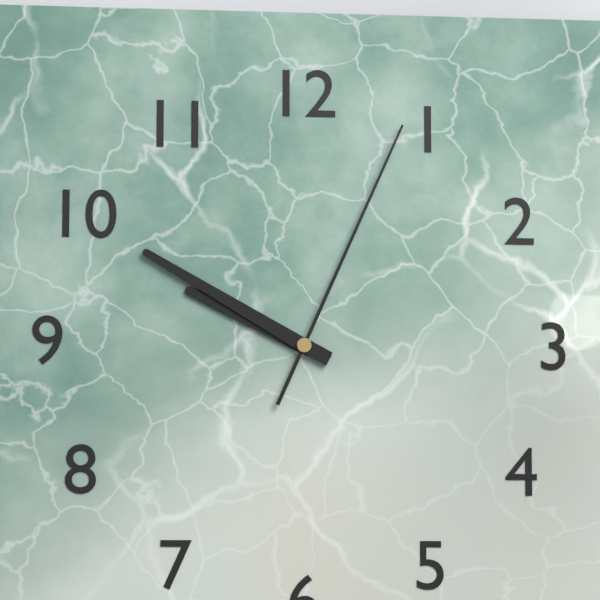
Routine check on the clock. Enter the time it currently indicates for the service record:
9:50:04
